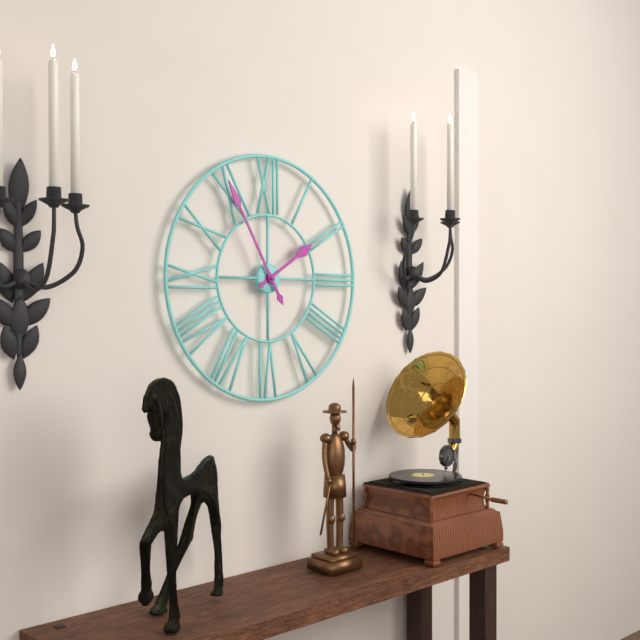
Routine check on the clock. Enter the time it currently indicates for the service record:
1:55
